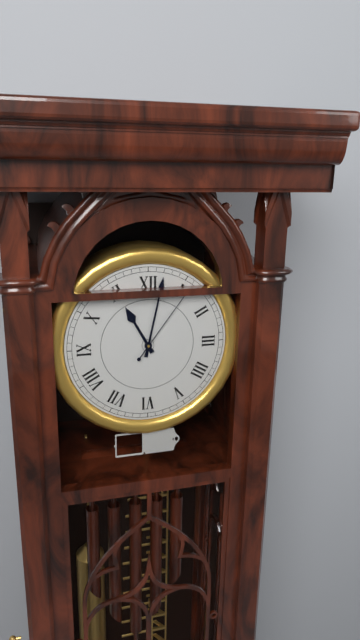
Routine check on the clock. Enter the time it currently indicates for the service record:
11:02:06
